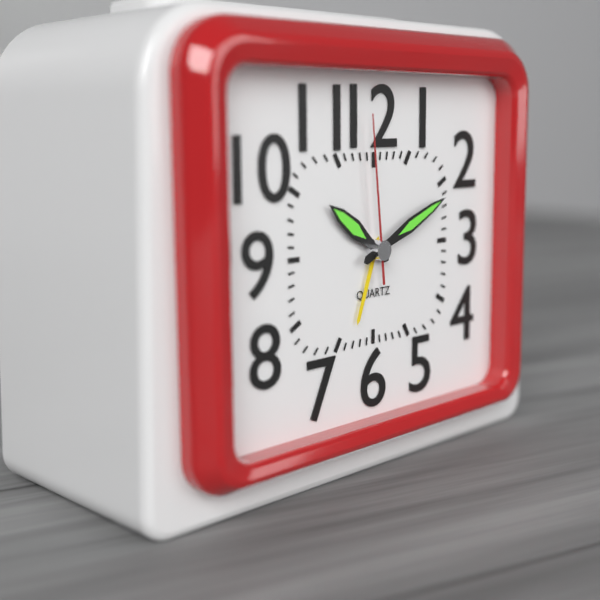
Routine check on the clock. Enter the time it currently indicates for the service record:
10:11:59
